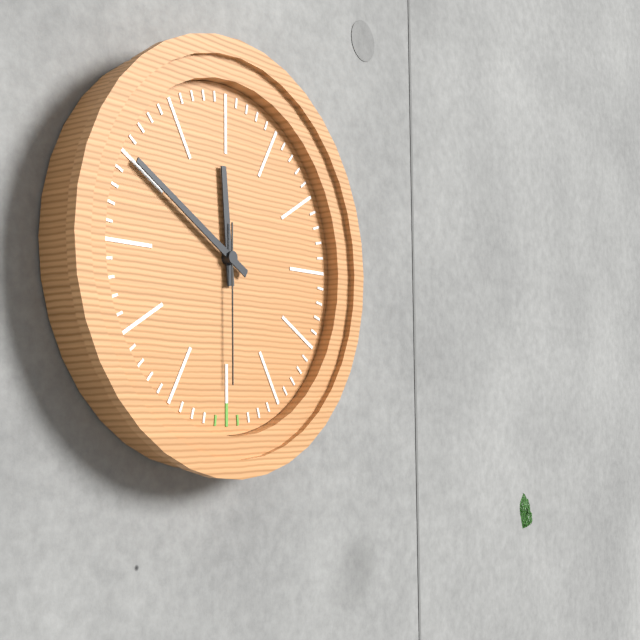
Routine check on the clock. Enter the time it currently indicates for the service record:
11:50:30
